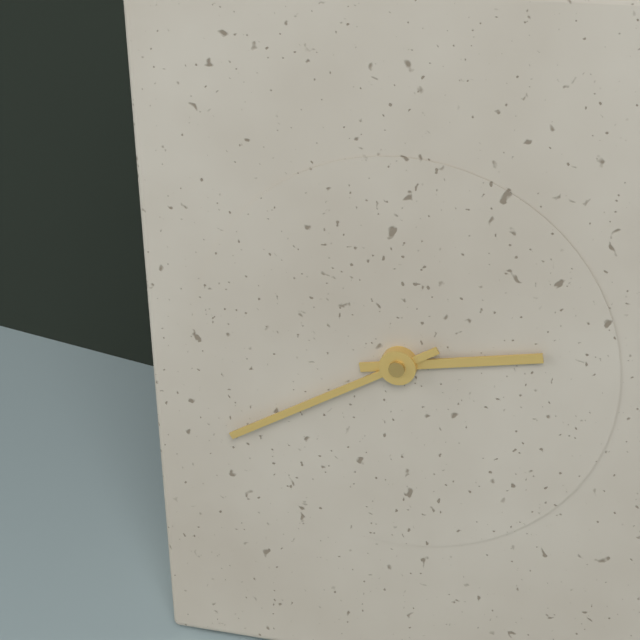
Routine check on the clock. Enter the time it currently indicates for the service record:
2:40
